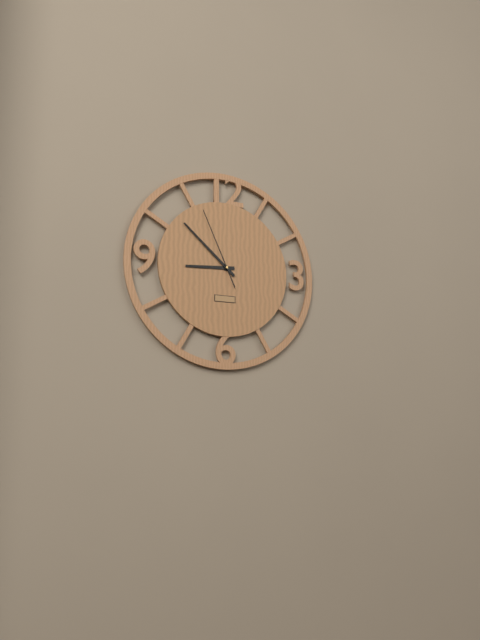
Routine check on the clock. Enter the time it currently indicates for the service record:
8:52:56
